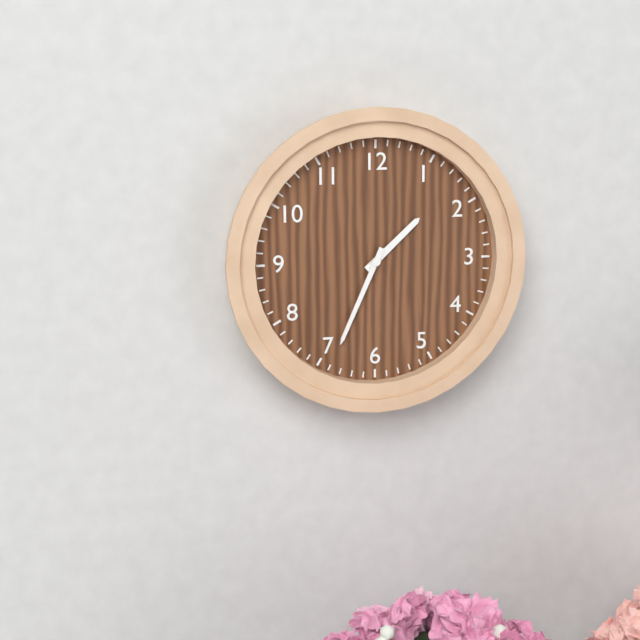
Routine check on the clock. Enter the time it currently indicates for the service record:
1:34
